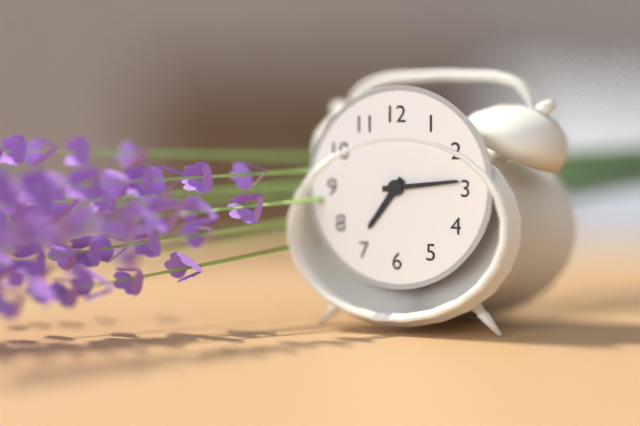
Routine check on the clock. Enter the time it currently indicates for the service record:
7:14
